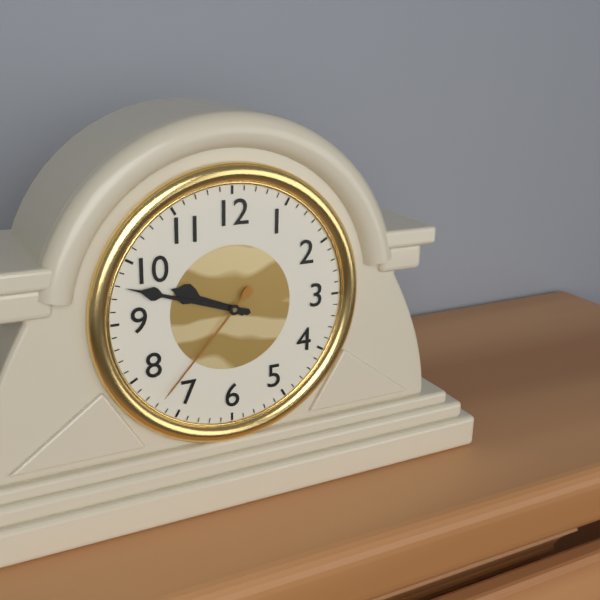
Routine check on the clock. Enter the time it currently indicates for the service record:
9:48:37
